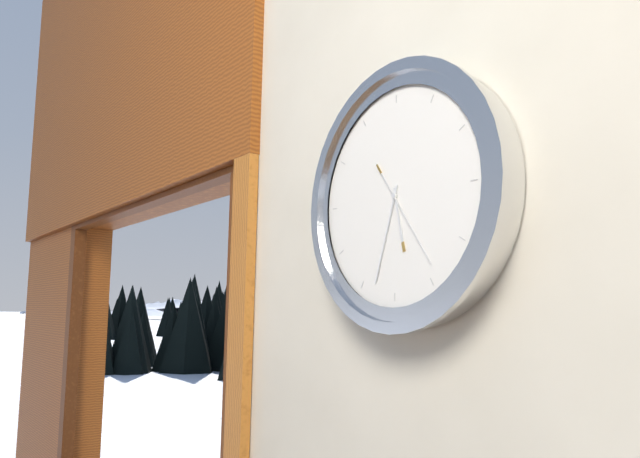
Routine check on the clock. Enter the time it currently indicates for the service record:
5:33:24
